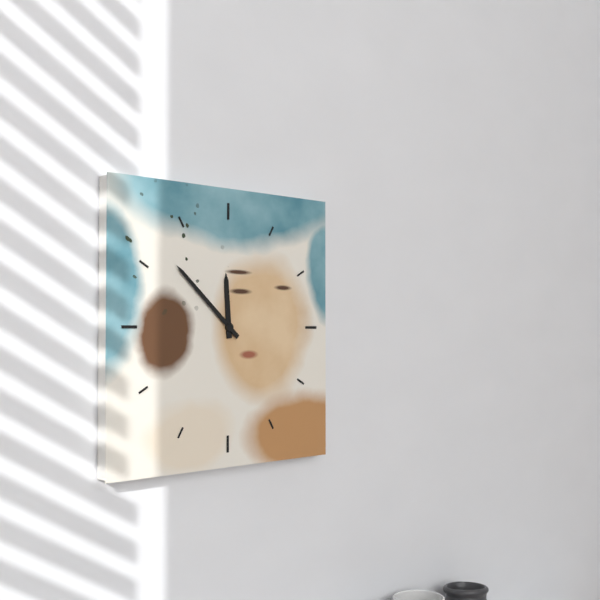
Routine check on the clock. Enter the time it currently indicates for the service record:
11:52
